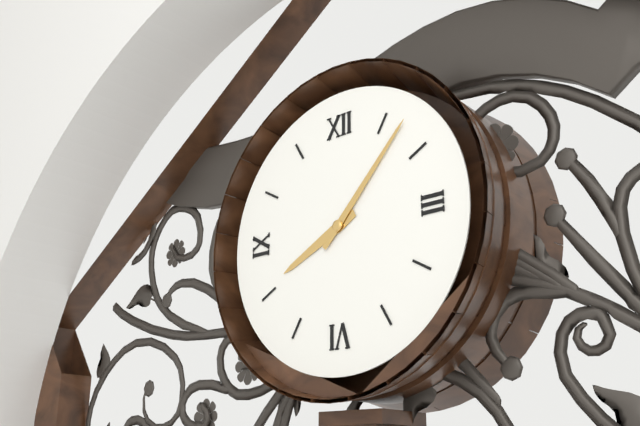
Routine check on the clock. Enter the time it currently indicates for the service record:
8:07
